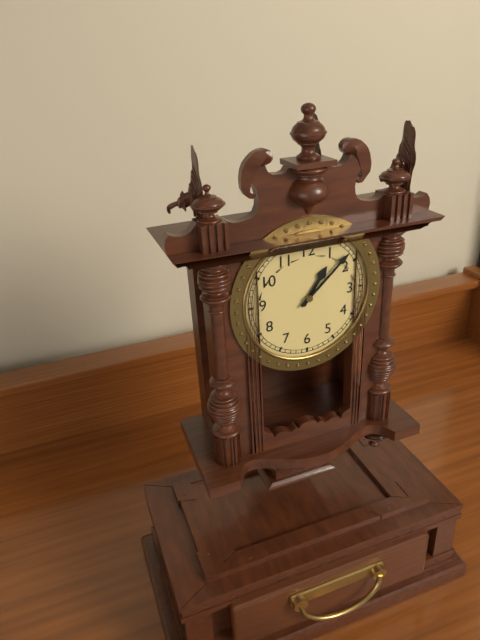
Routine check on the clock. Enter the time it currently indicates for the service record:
1:08
